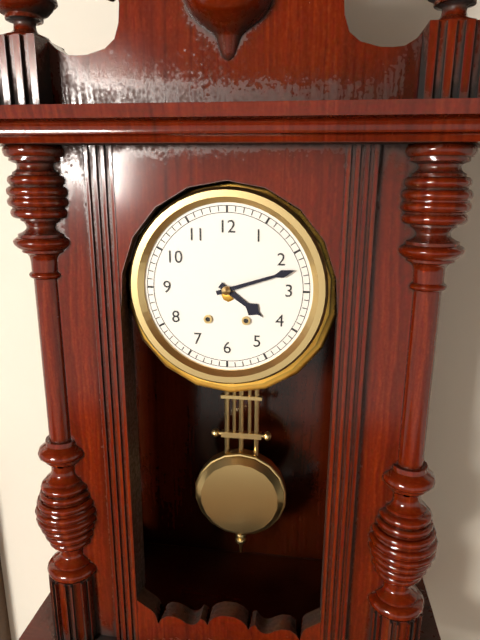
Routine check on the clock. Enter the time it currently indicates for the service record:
4:12
